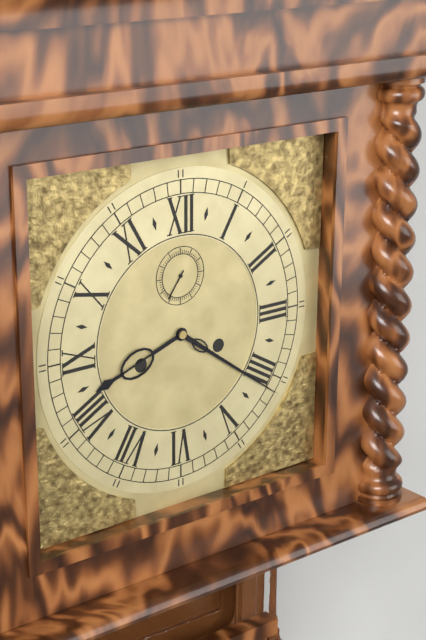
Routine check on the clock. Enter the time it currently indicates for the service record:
8:21
